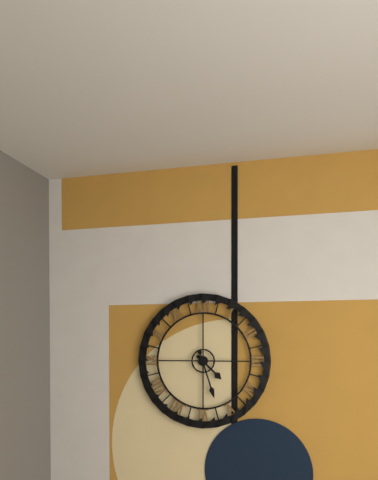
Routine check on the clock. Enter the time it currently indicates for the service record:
4:27
